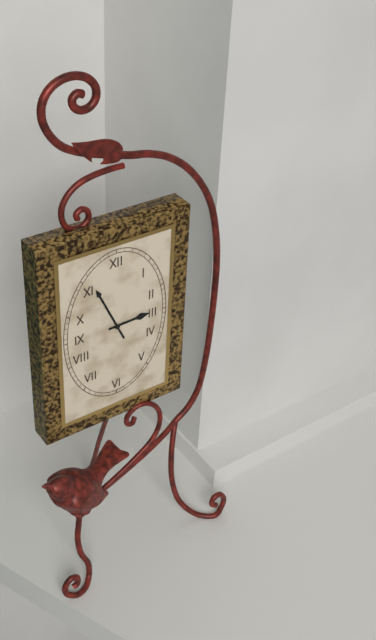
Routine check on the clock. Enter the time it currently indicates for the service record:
2:56
